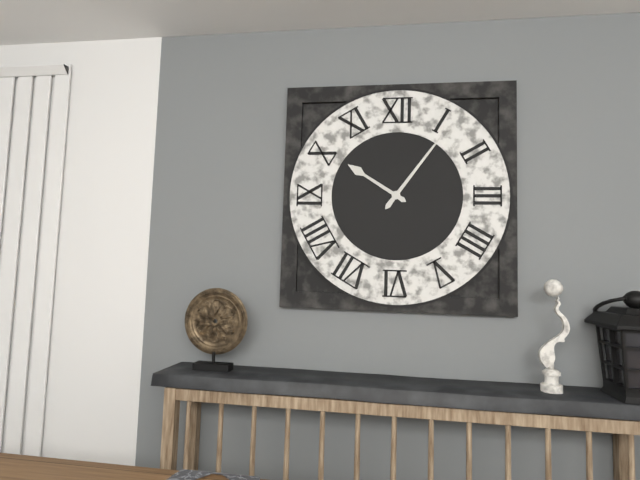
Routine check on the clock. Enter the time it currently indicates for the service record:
10:06
